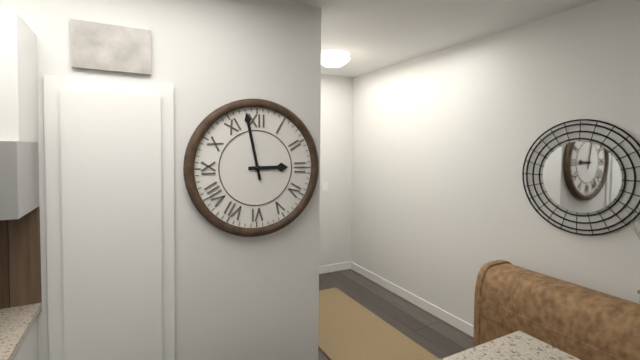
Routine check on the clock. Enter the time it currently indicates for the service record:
2:58
